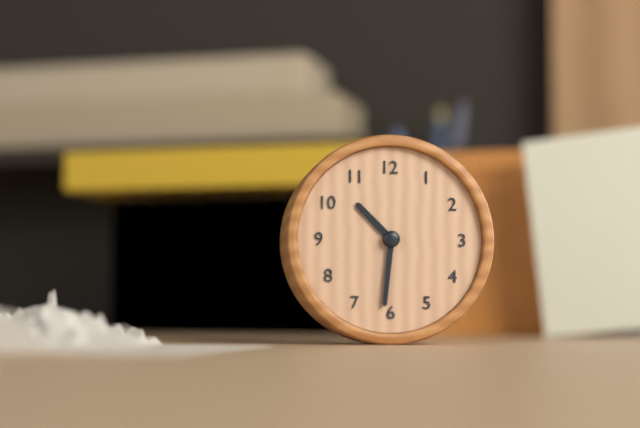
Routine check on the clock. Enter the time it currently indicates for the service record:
10:31
